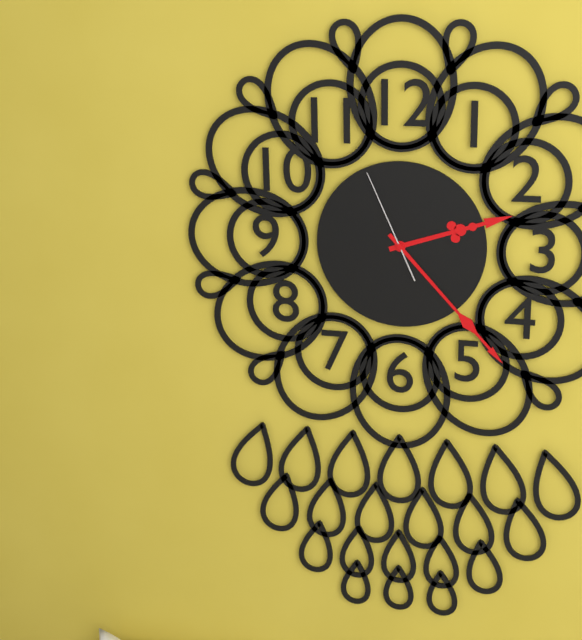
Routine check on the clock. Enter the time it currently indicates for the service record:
2:23:56
